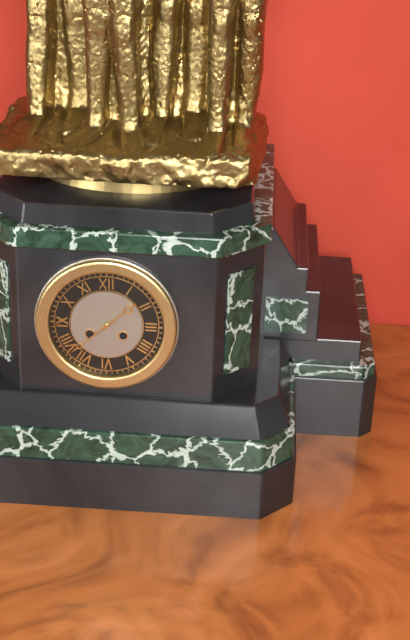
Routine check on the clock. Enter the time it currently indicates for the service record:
1:38
